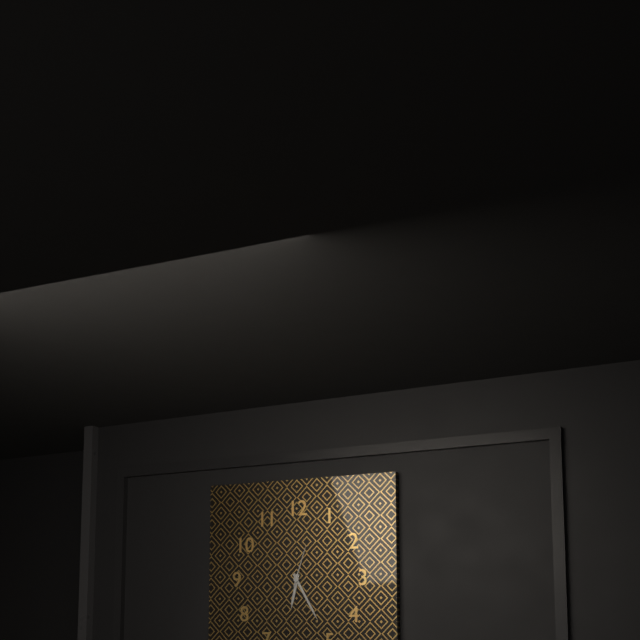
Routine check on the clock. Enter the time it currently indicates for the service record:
6:25
